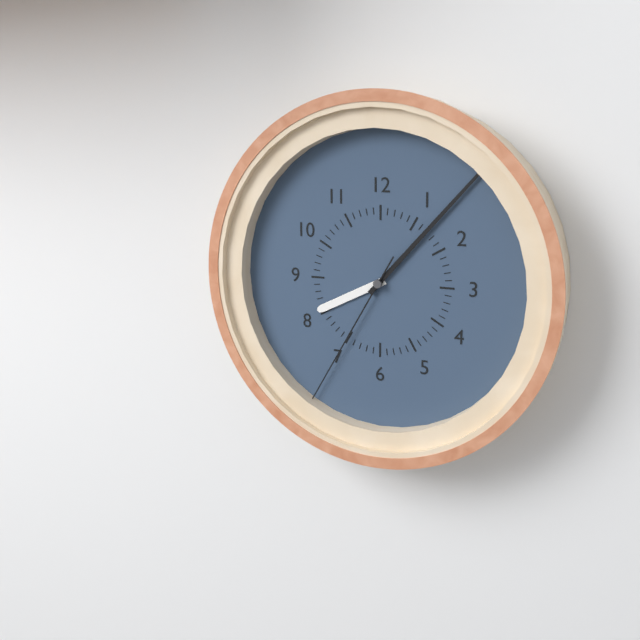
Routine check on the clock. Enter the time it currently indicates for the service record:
8:07:35
